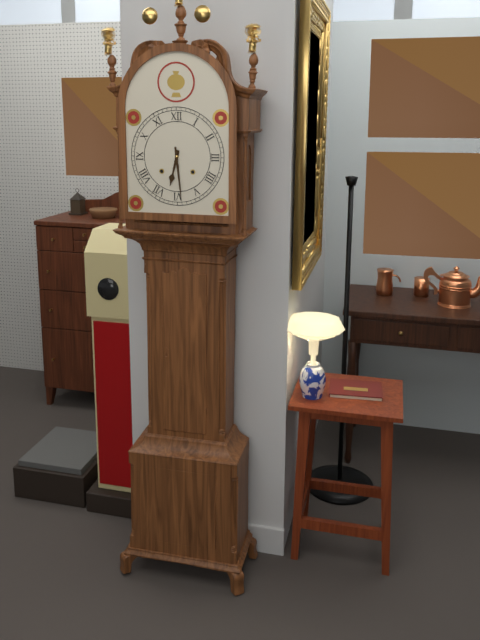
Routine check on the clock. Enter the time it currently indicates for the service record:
6:29
